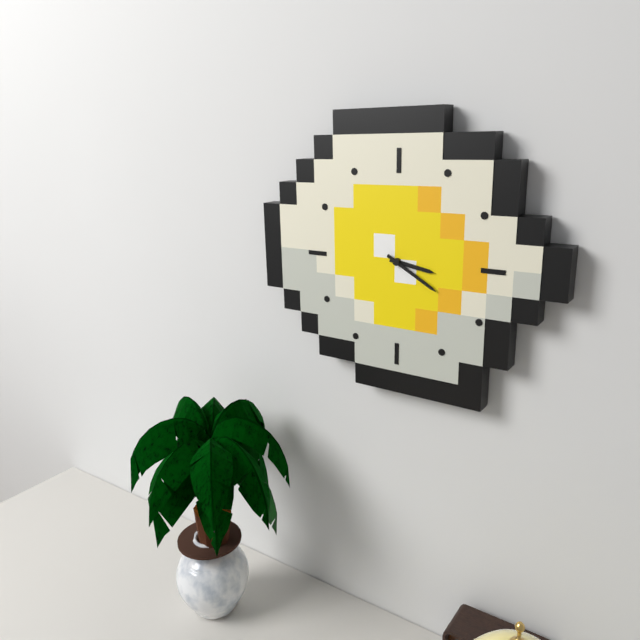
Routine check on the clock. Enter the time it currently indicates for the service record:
3:20
